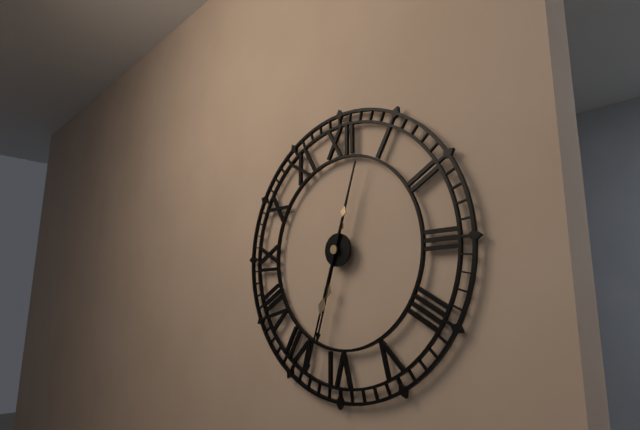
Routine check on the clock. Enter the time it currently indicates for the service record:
6:33
